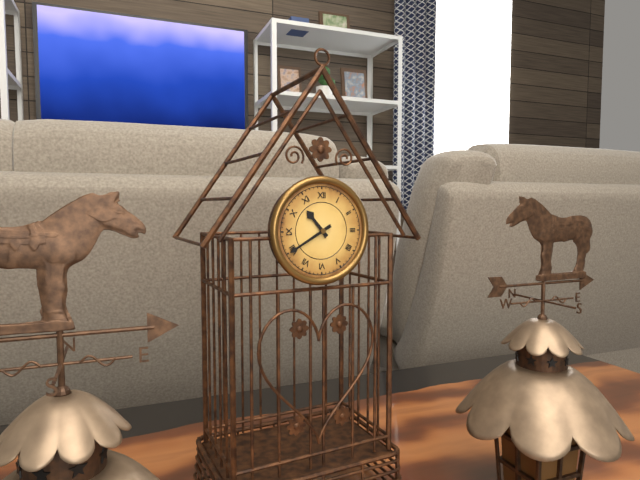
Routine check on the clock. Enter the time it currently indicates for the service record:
10:40
